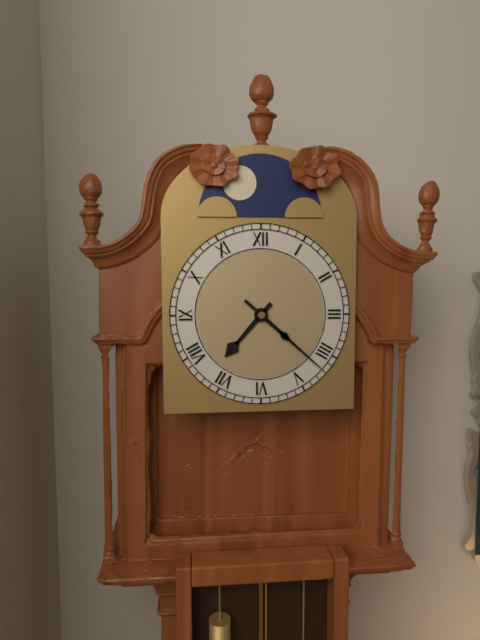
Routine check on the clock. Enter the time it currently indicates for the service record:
7:22
